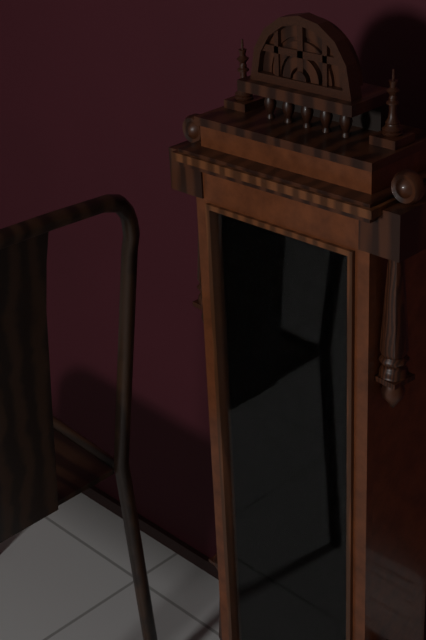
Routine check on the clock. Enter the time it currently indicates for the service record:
10:22
